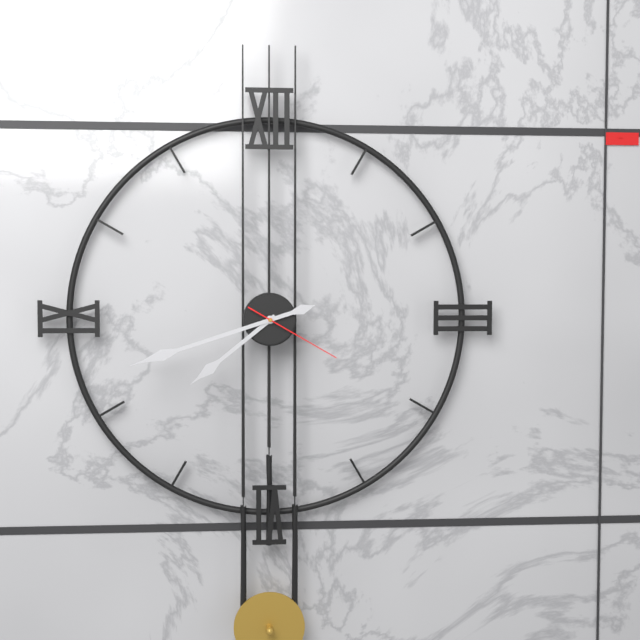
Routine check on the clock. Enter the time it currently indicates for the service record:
7:42:20
